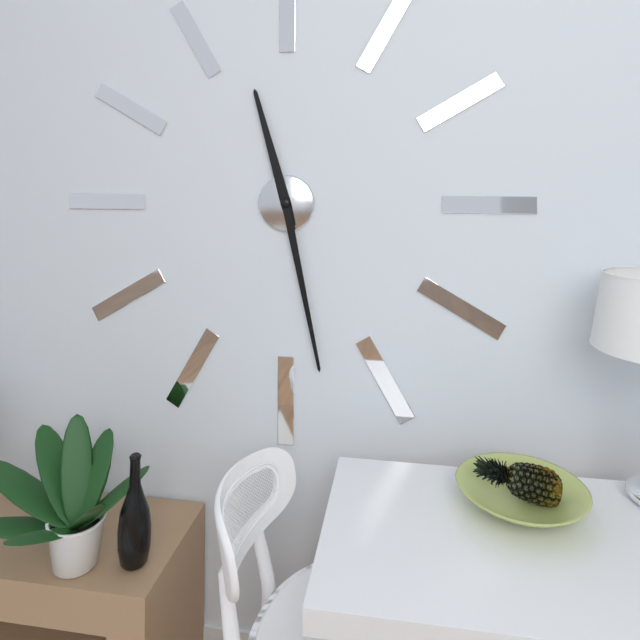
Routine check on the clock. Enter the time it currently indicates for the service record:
11:28
